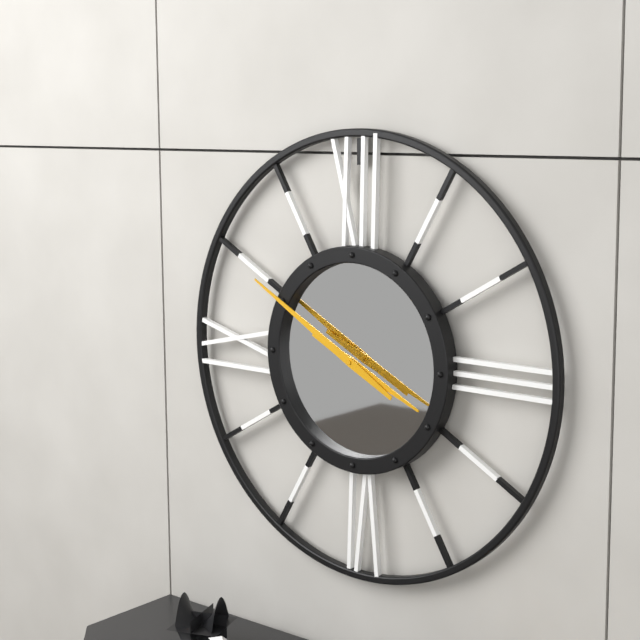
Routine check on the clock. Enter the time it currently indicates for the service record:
3:50
